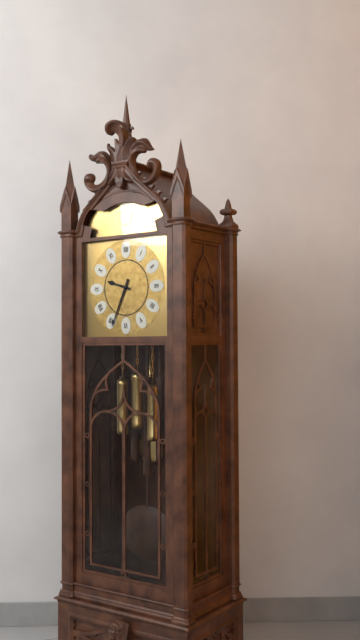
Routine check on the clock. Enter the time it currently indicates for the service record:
9:34
